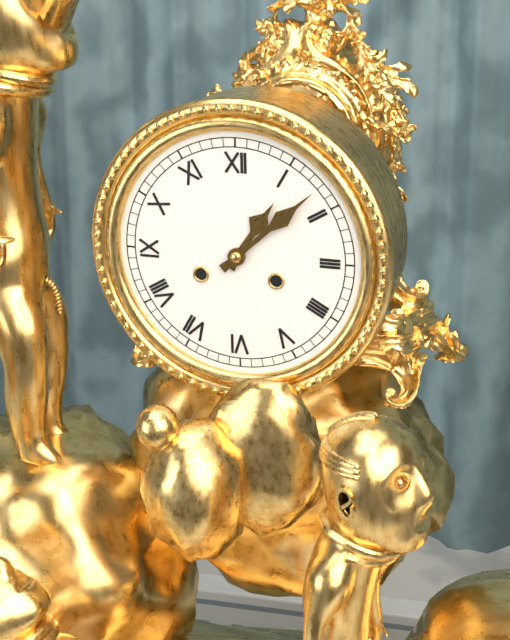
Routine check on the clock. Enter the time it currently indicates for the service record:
1:08
